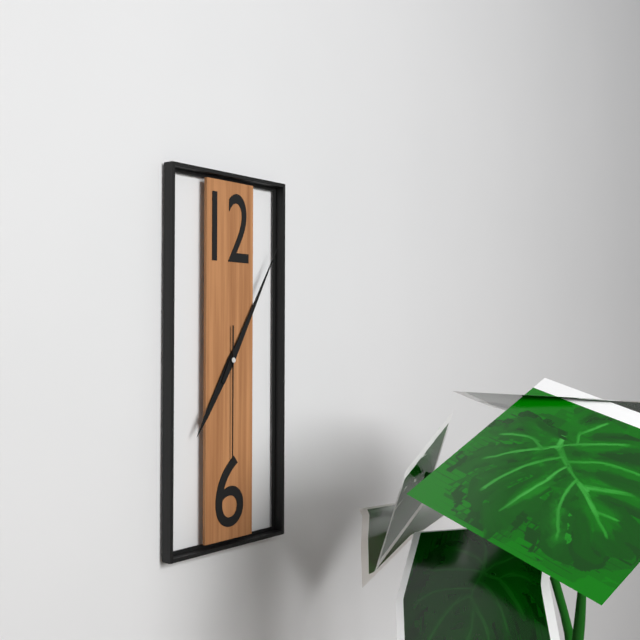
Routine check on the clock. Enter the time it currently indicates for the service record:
7:05:30
